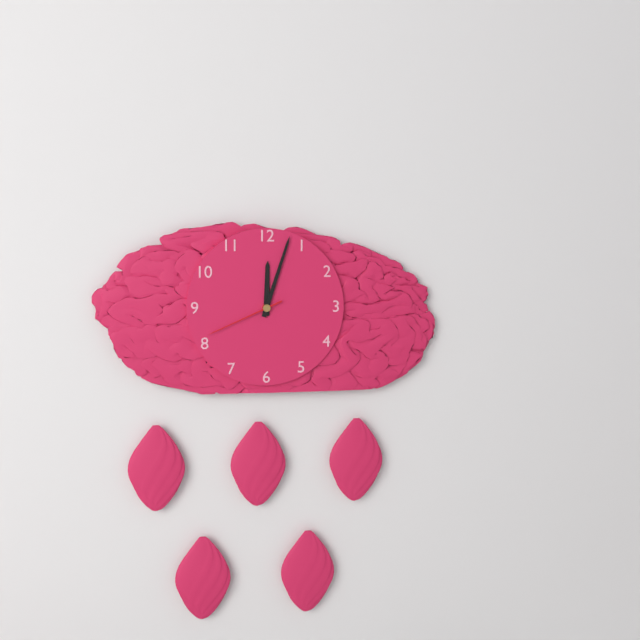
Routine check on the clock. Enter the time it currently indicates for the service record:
12:03:41
